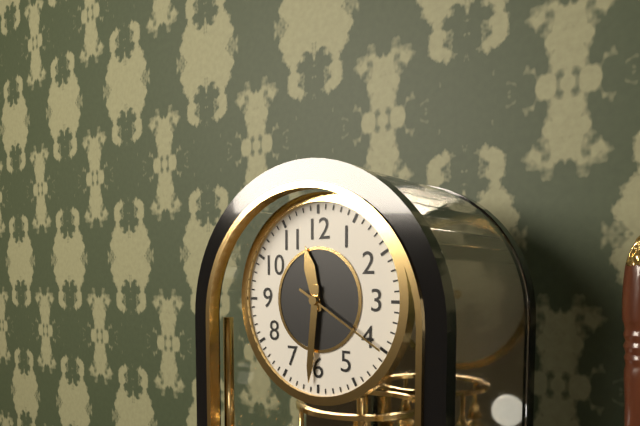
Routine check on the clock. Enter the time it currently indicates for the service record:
11:31:20
